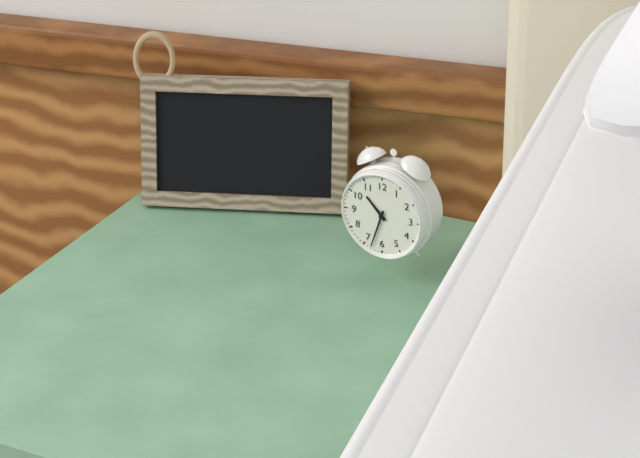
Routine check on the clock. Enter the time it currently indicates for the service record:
10:33
